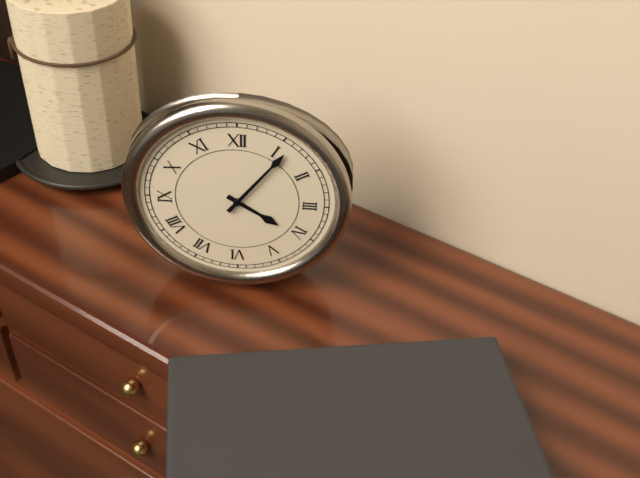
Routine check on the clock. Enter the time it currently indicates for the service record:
4:06
